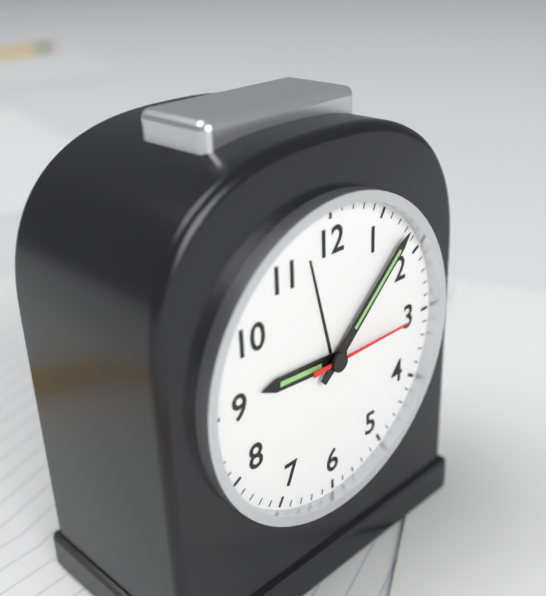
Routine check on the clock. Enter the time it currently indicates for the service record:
9:08:15
